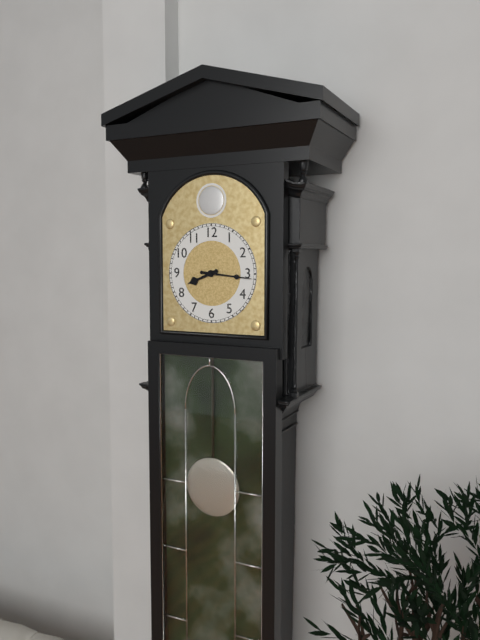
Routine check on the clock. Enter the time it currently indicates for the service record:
8:16
